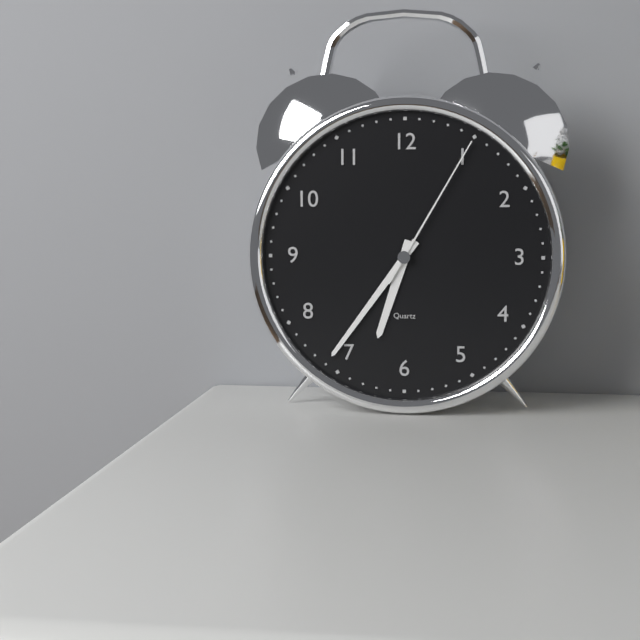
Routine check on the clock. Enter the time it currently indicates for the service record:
6:36:05
